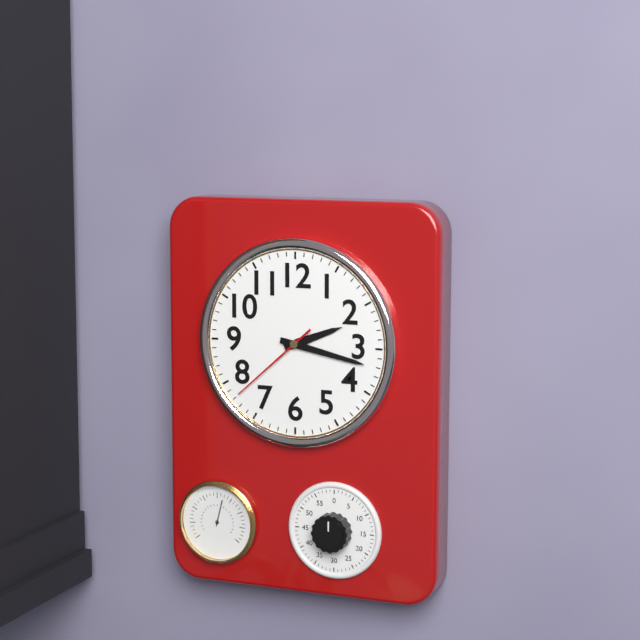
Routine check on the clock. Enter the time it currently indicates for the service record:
2:17:38
